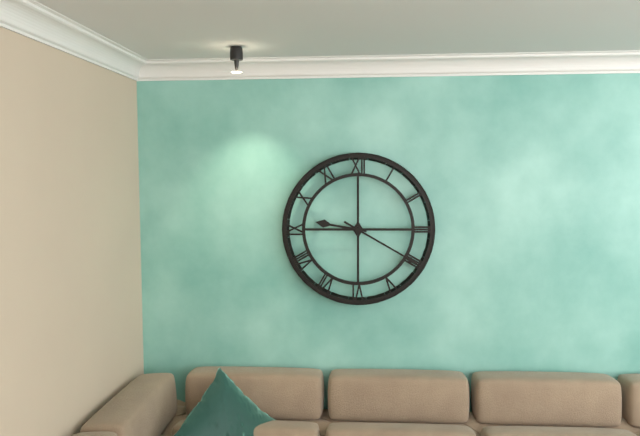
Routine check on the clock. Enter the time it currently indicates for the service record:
9:20
